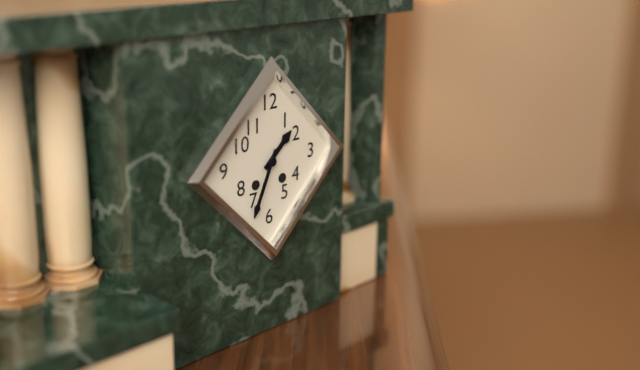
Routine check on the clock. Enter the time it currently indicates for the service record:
1:34
